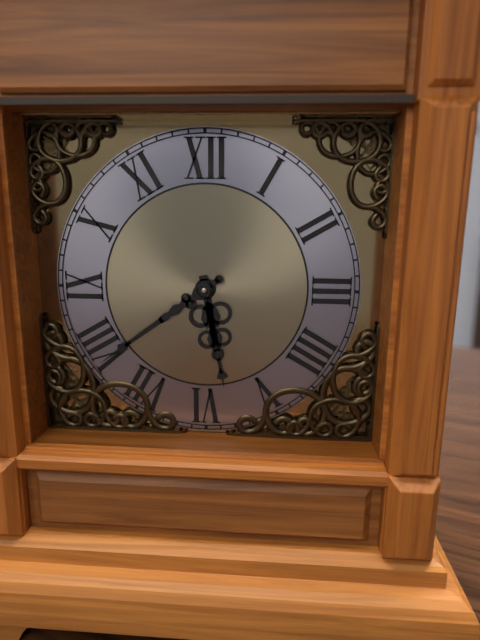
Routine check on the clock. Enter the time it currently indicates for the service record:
5:39
